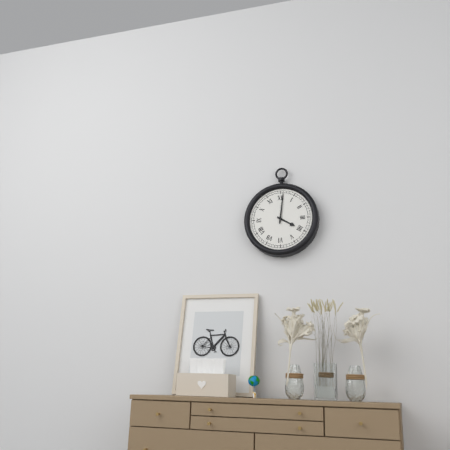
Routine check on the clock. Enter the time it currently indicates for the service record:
4:01
